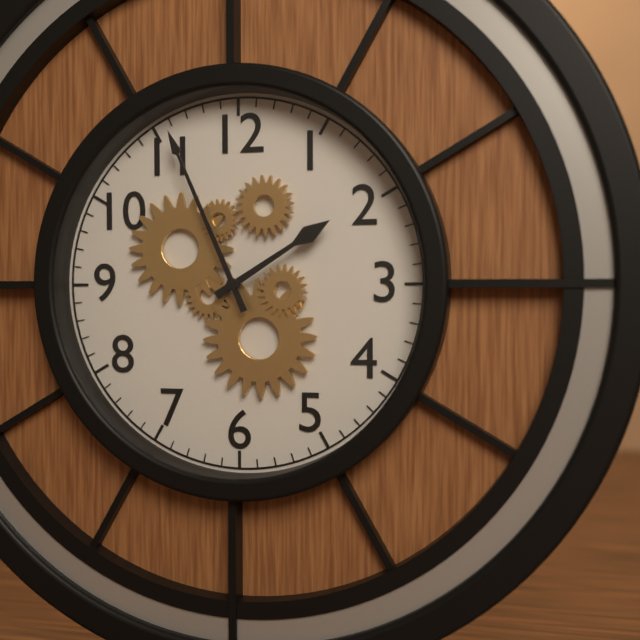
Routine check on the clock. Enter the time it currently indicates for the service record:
1:56
